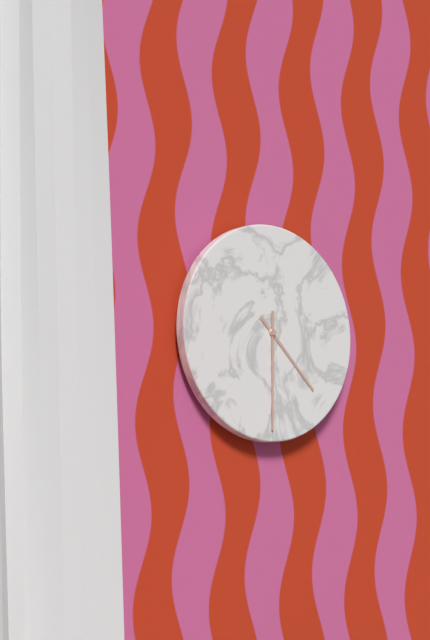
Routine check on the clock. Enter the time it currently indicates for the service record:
4:30
